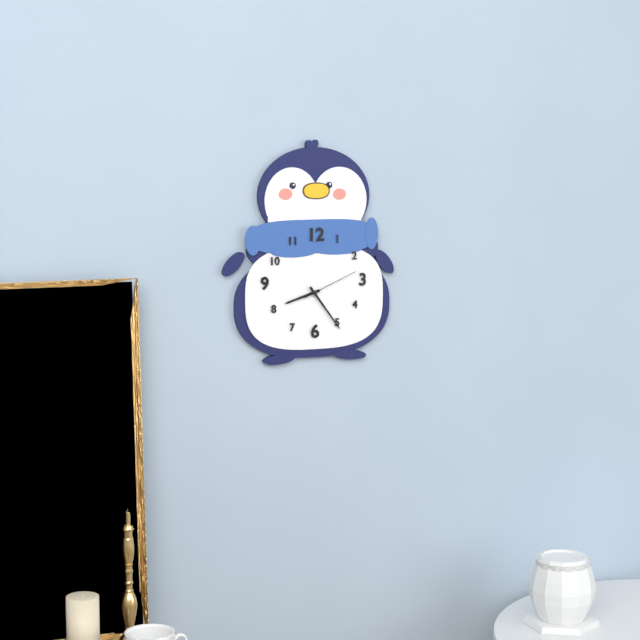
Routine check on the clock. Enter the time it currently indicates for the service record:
8:24:11
